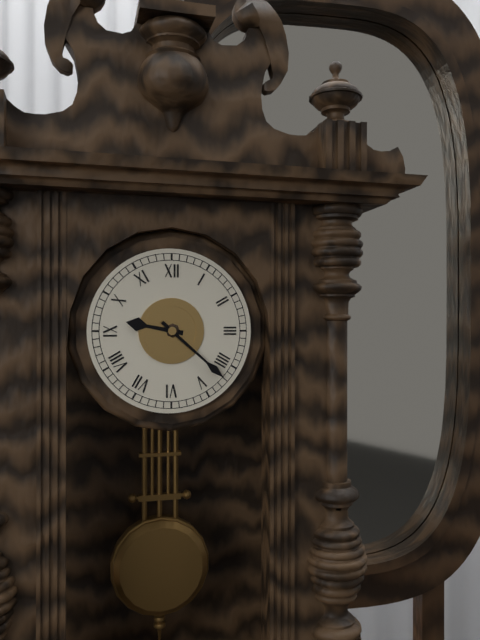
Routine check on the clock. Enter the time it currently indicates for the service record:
9:22
